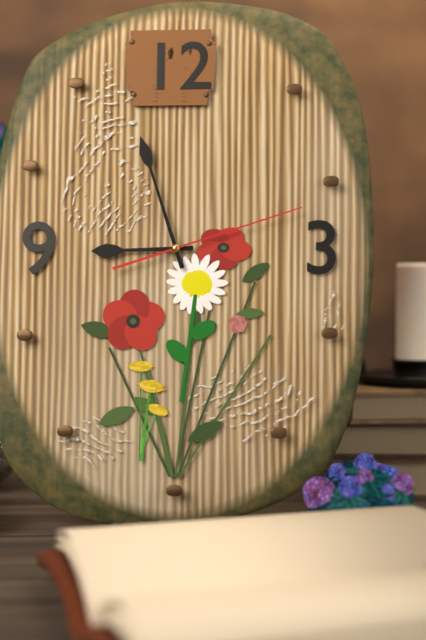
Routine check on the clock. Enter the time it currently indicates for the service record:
8:57:12
